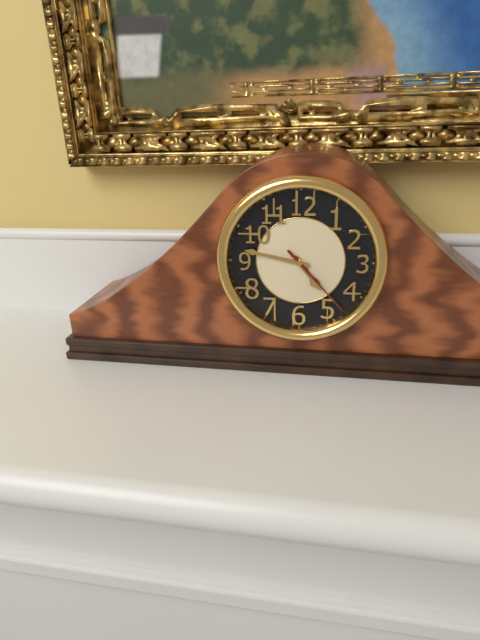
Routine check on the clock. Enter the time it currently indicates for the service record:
4:47:23
